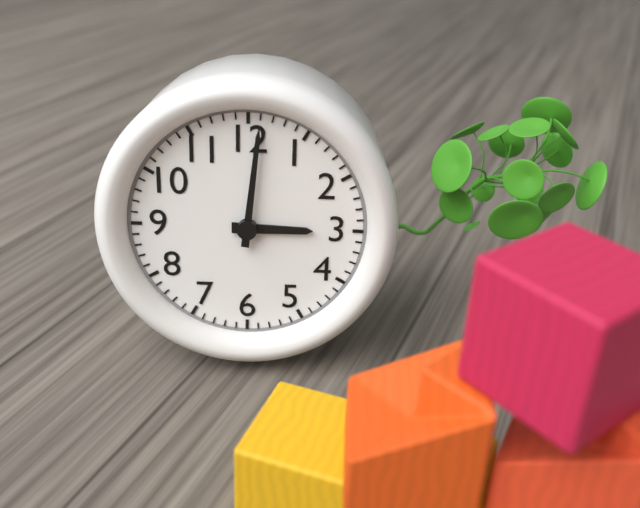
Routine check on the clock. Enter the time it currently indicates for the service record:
3:01
